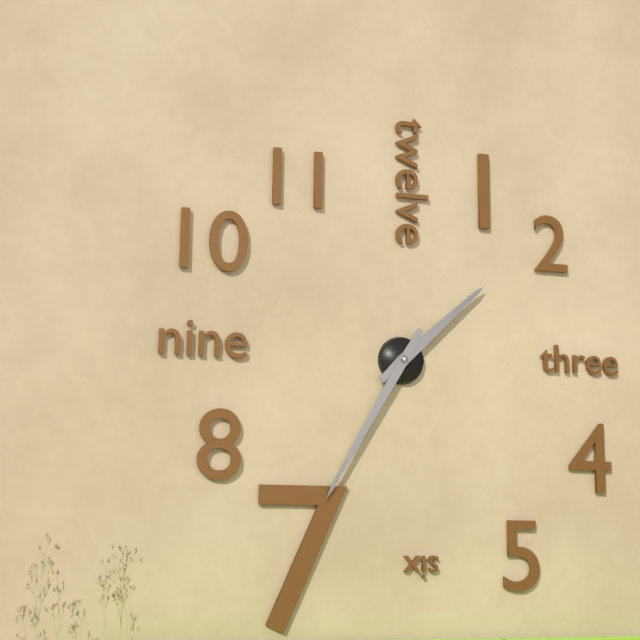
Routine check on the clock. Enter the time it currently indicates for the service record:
1:35
